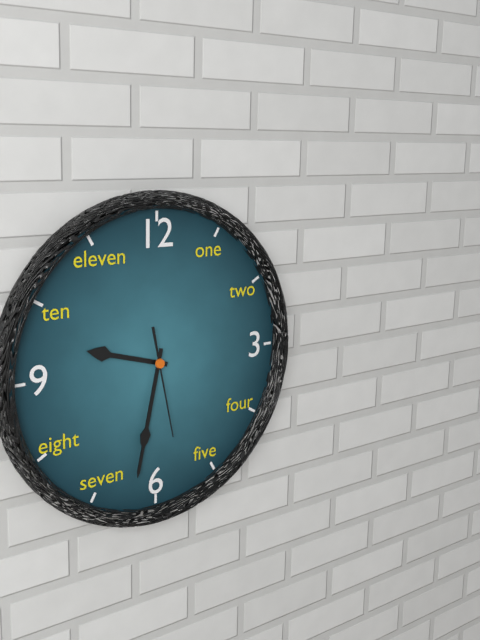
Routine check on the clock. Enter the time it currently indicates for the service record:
9:32:28
